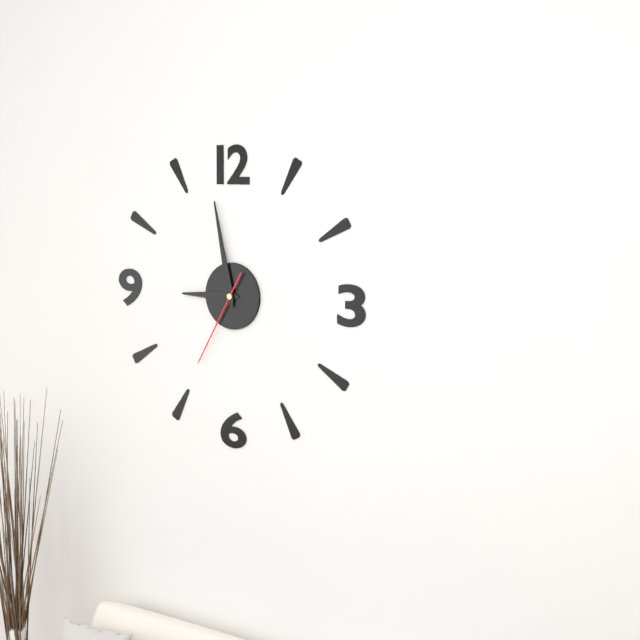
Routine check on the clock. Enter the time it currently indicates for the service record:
8:58:35
